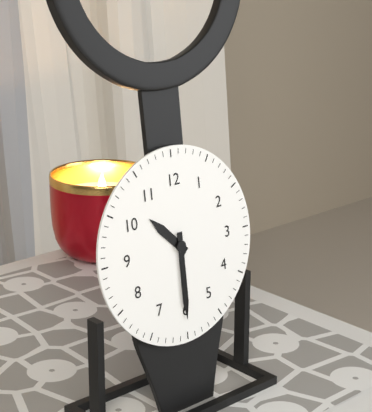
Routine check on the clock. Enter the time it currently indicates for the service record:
10:30
